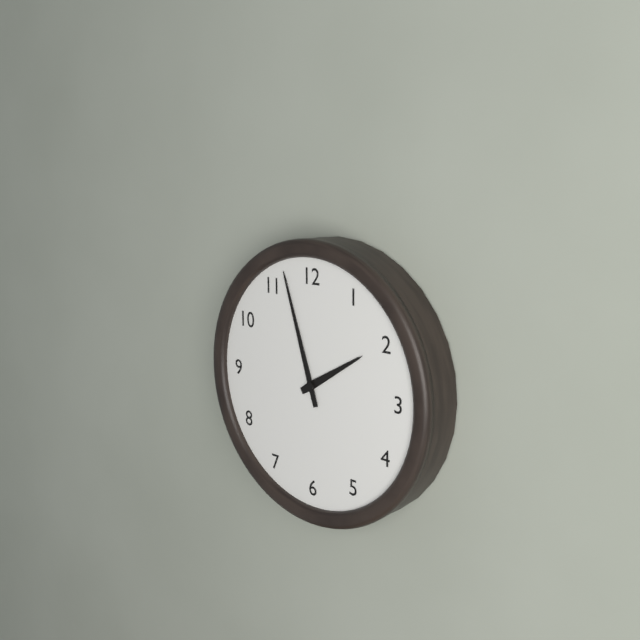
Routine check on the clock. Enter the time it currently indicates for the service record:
1:57
